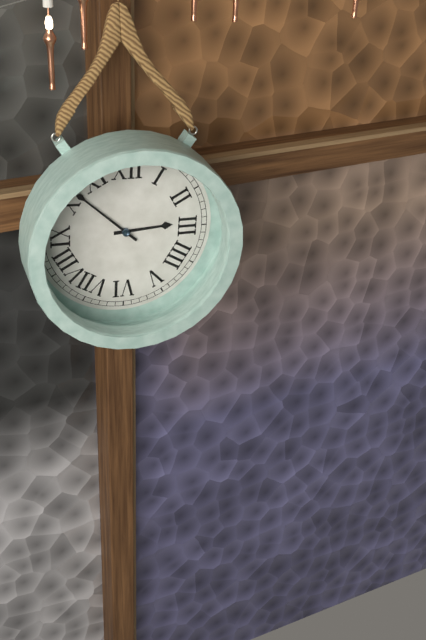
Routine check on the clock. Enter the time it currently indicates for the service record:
2:52
